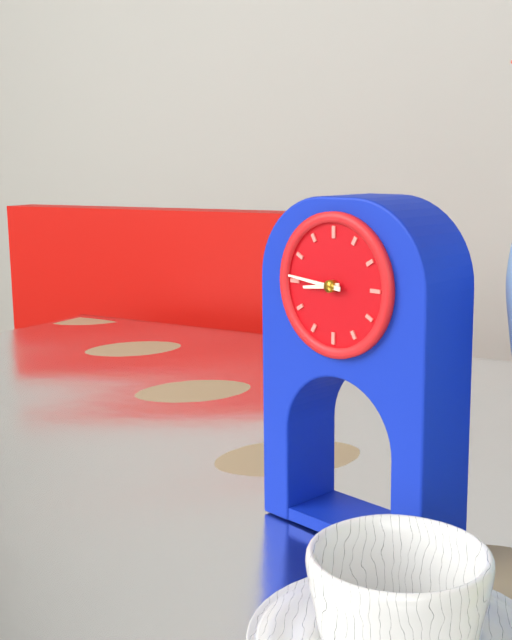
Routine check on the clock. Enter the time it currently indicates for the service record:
8:46
